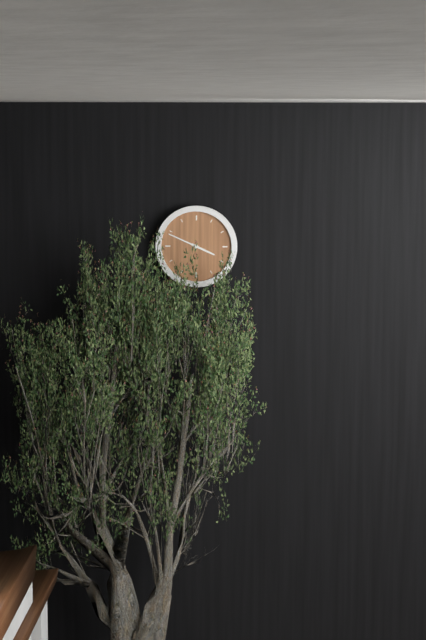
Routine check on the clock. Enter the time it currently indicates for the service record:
3:49
